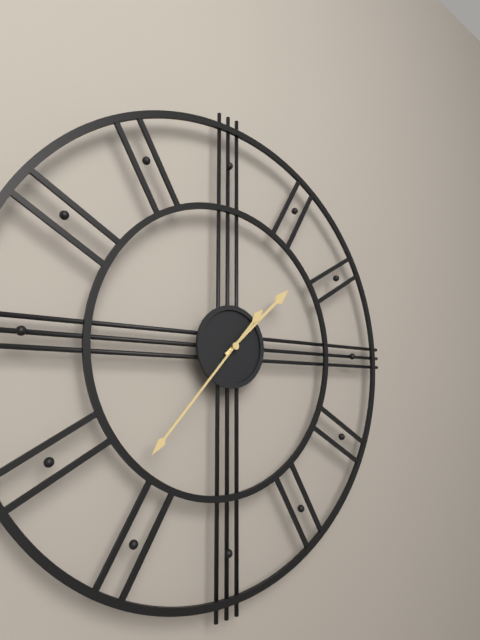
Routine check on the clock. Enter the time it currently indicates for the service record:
1:37
